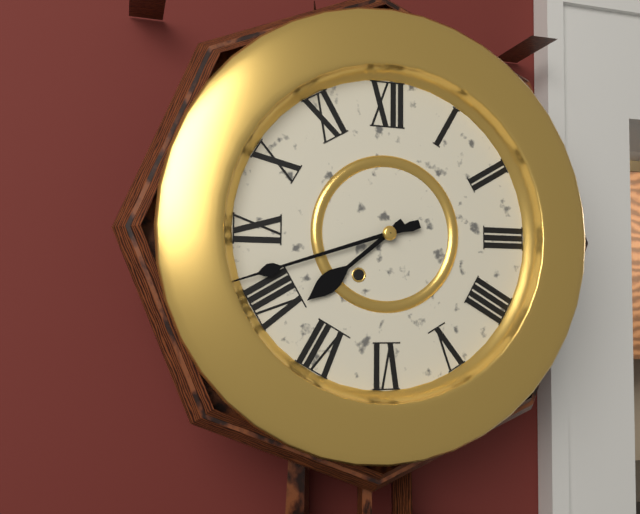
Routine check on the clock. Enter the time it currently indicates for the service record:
7:42
